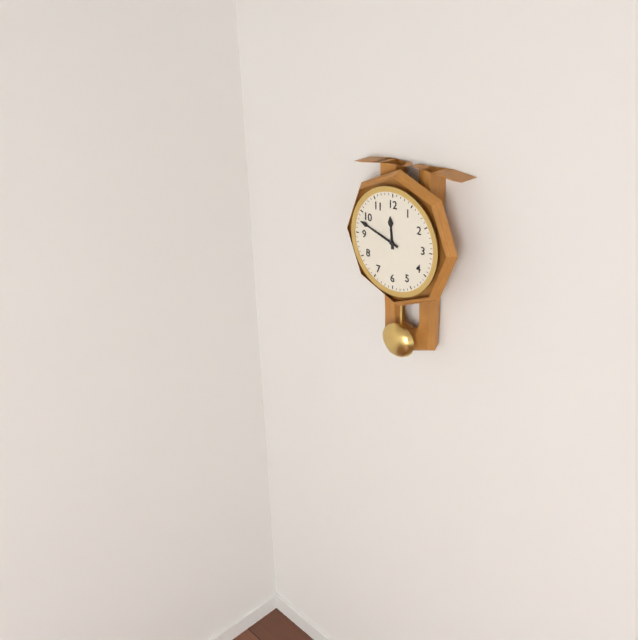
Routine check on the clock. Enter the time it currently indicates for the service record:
11:48
